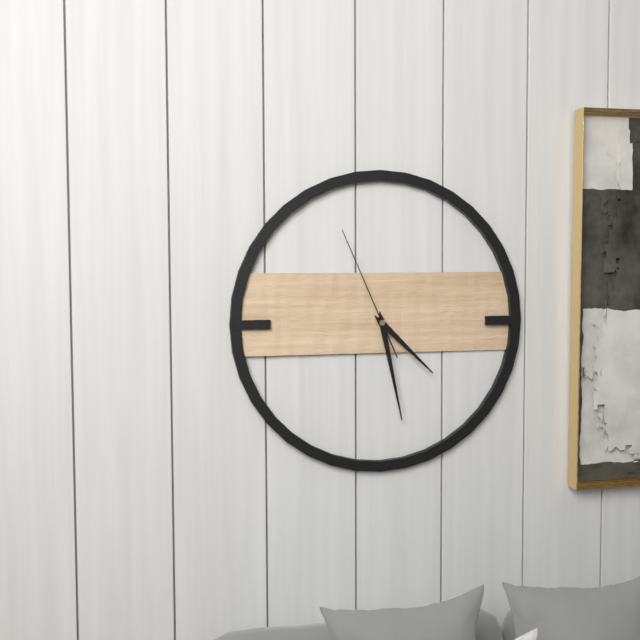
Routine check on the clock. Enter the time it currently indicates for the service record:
4:28:56
